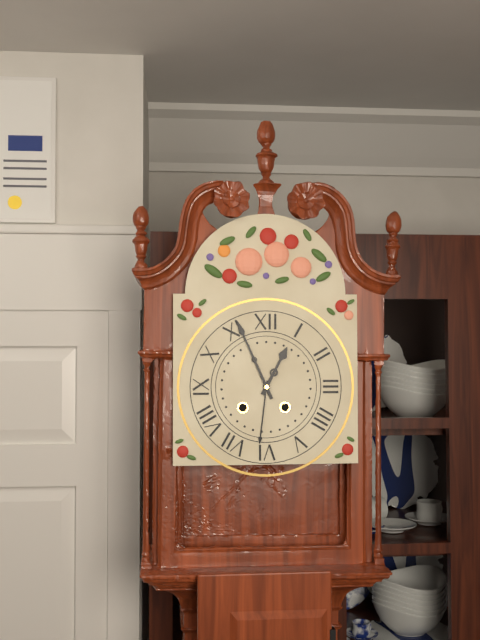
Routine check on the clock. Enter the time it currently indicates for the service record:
12:56
